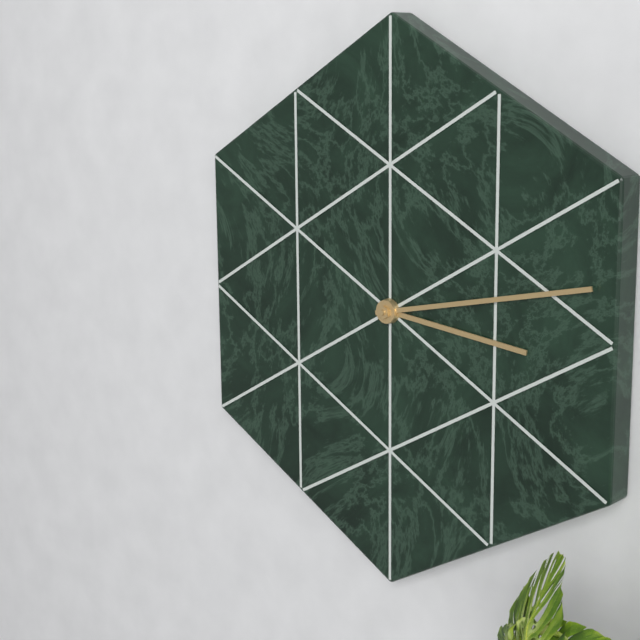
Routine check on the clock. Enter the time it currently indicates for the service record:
3:13
